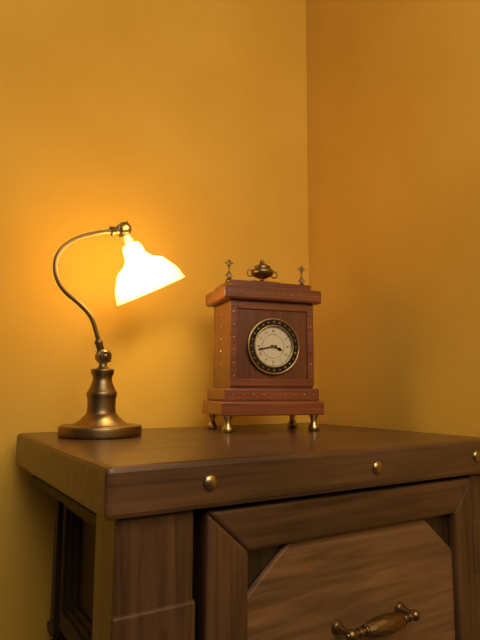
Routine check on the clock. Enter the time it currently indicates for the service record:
3:43
